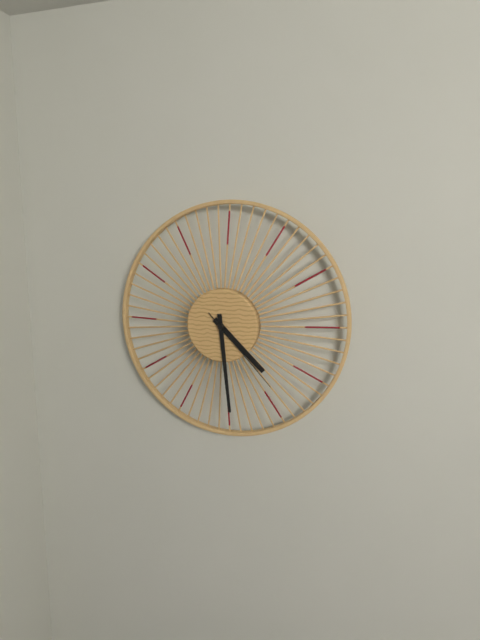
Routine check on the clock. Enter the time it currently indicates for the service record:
4:29:23
